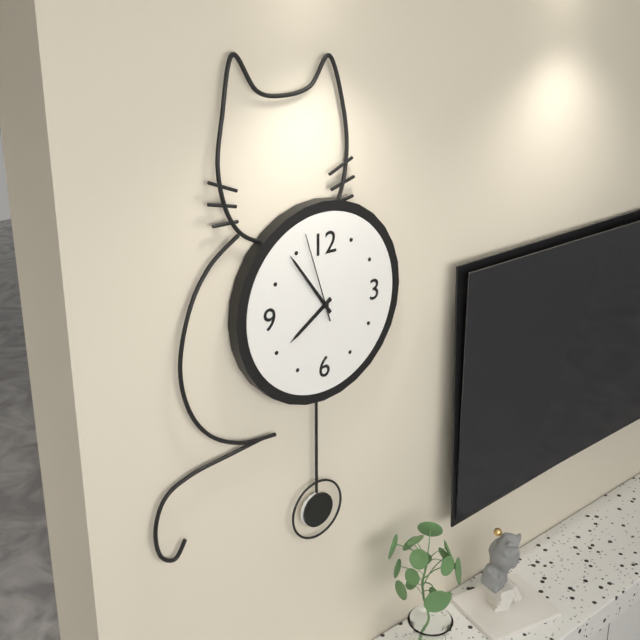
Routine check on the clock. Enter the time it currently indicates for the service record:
7:54:57
